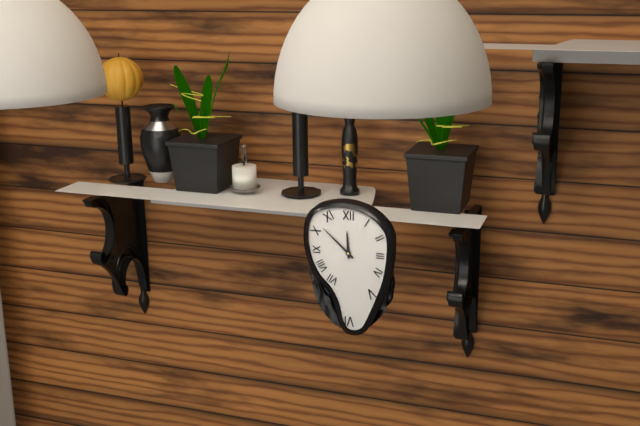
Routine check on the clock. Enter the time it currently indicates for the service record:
11:52
